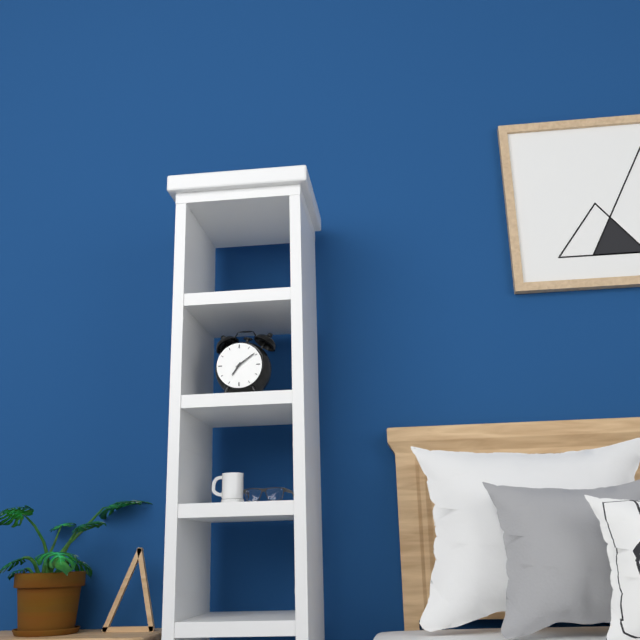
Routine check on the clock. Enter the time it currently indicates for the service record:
7:09
